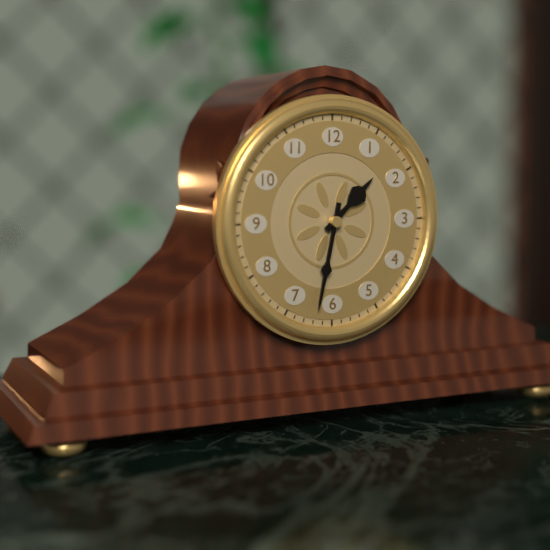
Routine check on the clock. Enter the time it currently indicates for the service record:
1:32
